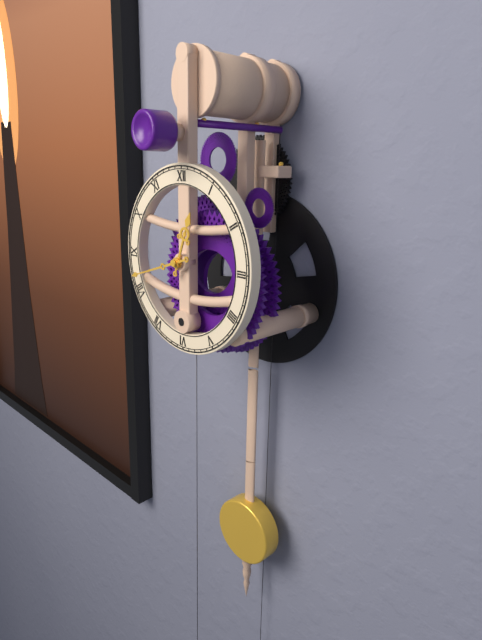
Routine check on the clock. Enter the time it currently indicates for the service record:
12:42
